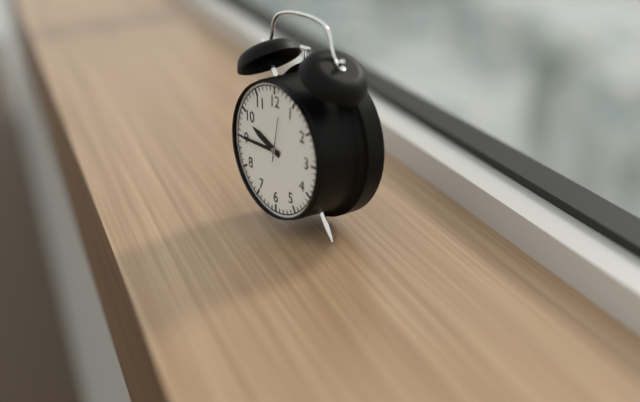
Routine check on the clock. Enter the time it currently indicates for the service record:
9:45
